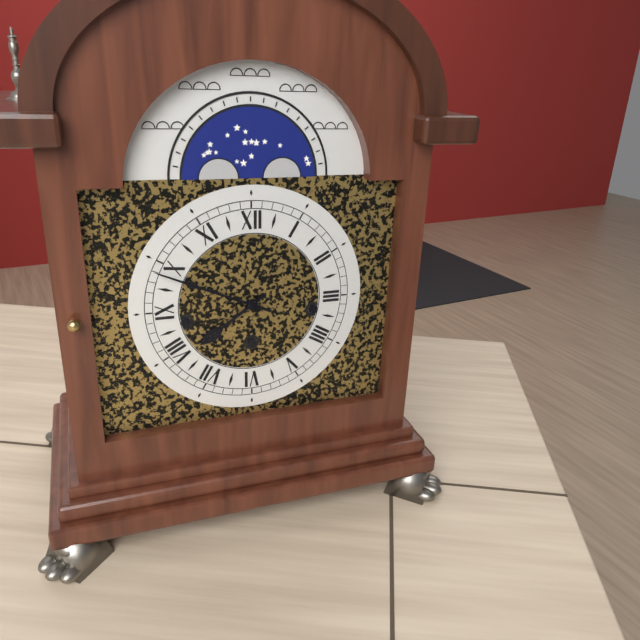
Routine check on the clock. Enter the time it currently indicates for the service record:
7:49
